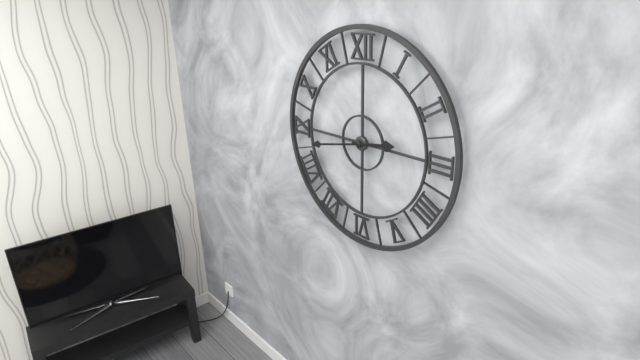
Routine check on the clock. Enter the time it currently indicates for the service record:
2:43
